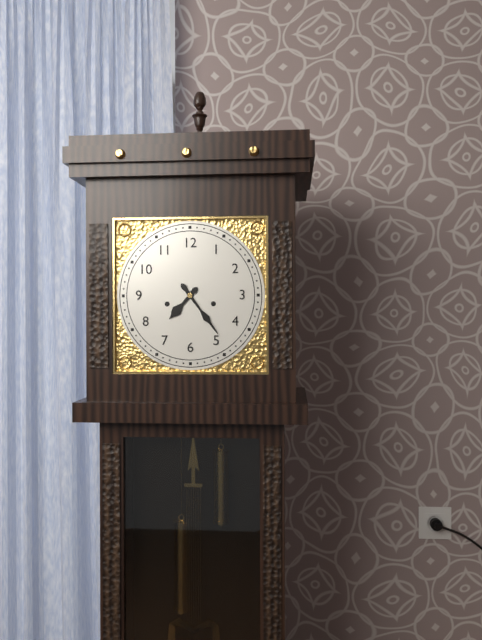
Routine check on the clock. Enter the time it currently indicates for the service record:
7:24
